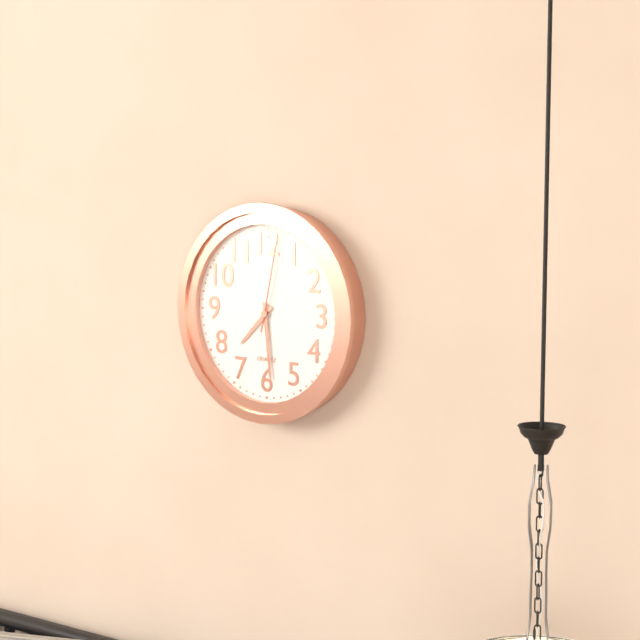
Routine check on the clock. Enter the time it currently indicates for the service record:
7:29:02
